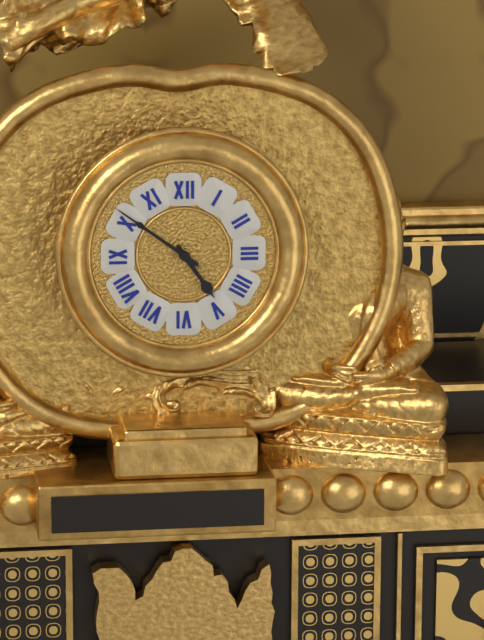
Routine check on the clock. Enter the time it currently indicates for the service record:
4:51
